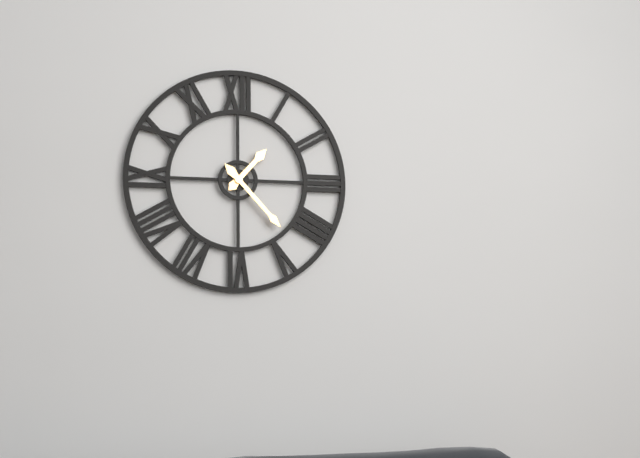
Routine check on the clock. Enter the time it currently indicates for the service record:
1:23
